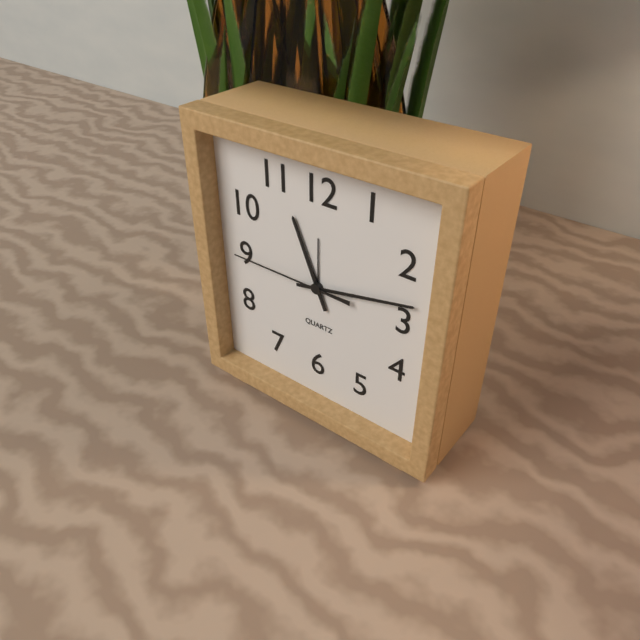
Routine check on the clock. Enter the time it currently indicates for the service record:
11:13:45
